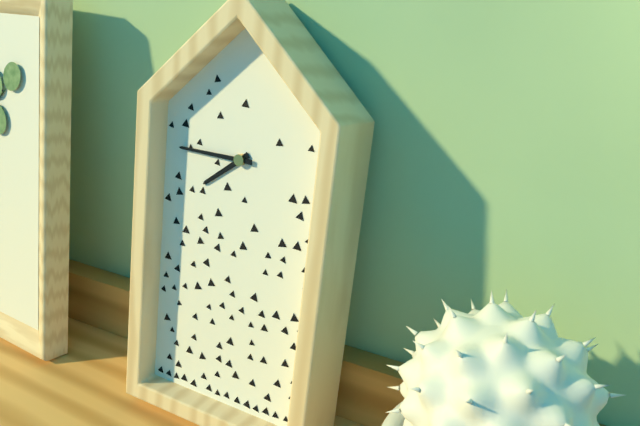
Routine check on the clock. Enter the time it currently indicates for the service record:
7:45
